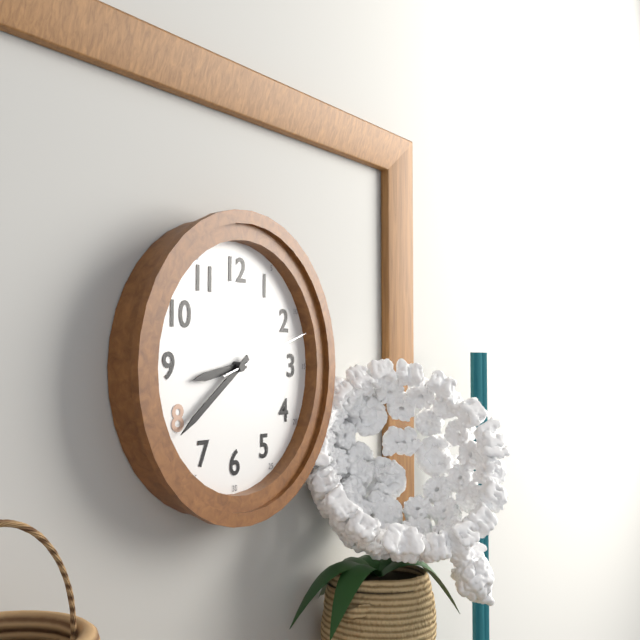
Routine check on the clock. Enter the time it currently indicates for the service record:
8:39:12
